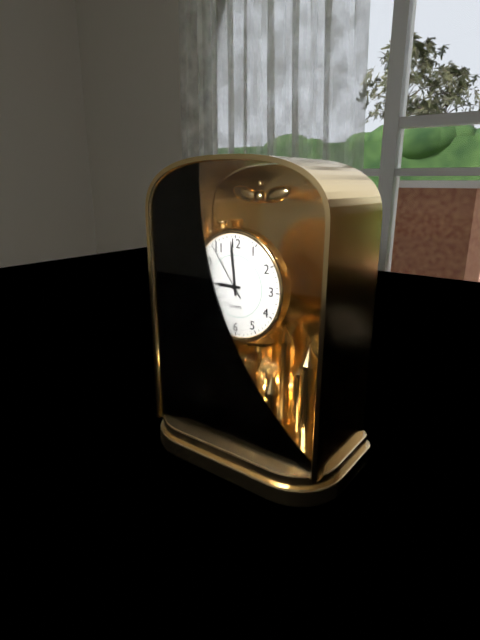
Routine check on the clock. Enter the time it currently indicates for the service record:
8:59:54
